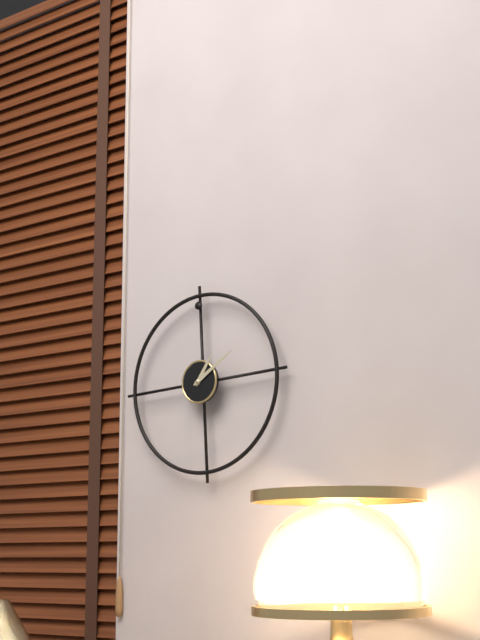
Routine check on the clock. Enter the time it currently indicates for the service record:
1:10
